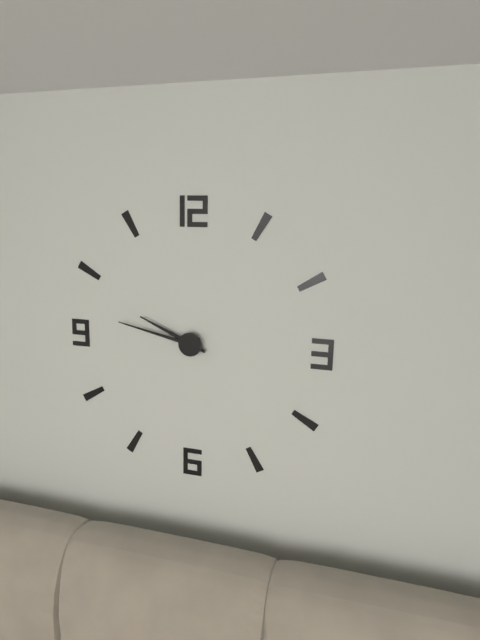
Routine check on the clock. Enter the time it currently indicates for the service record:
9:47
